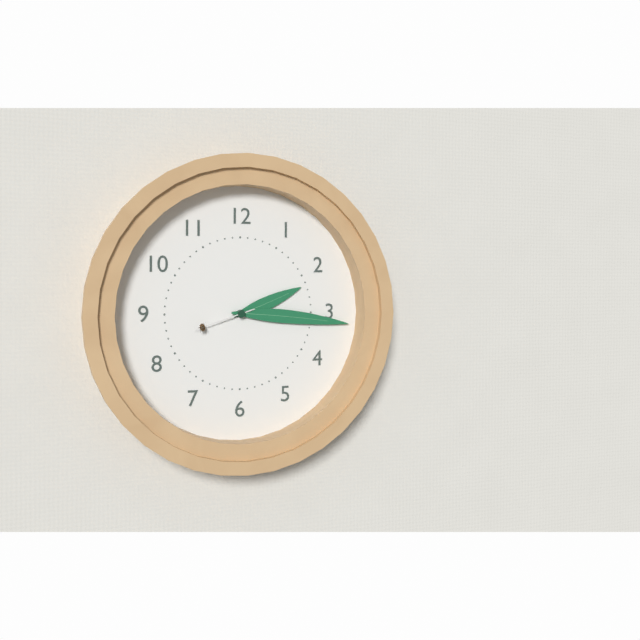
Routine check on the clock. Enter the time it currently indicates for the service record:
2:16:42
